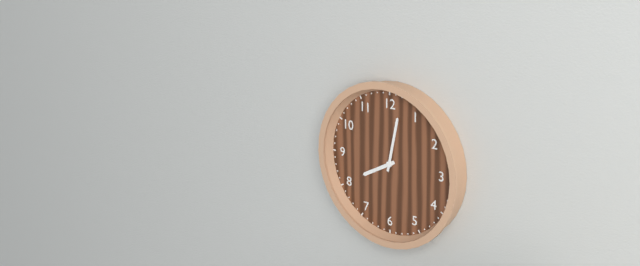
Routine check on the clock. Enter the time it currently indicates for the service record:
8:02
